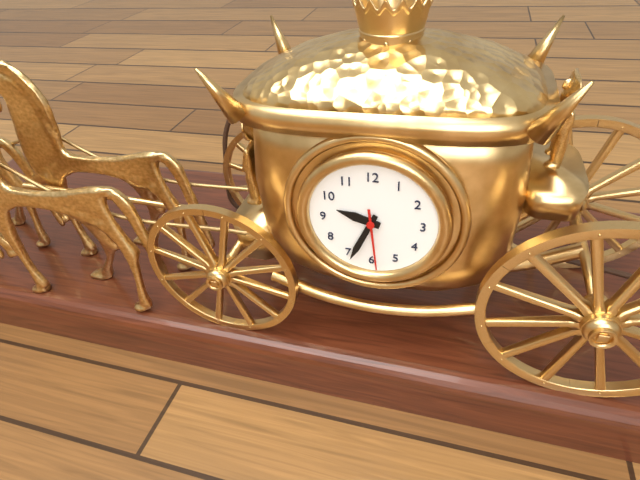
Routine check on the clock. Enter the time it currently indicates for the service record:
9:34:29
